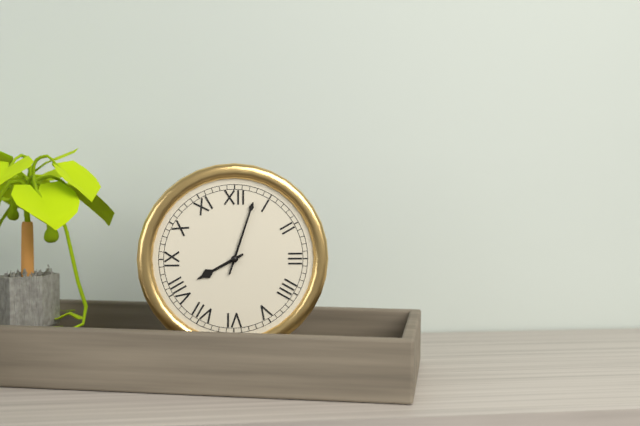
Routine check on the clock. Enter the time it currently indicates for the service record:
8:03
